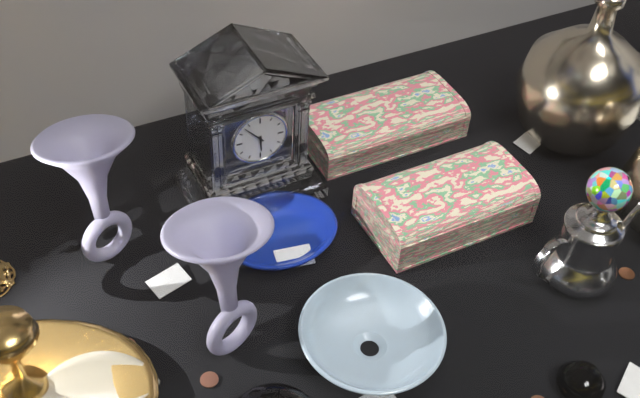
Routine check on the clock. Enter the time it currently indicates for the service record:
5:53
